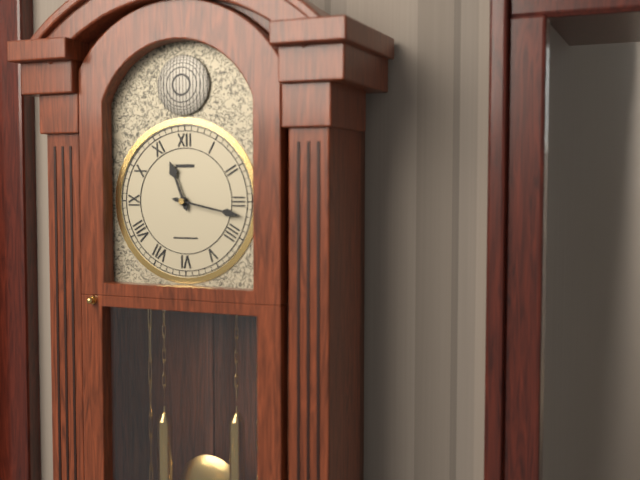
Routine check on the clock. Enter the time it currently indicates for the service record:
11:17
